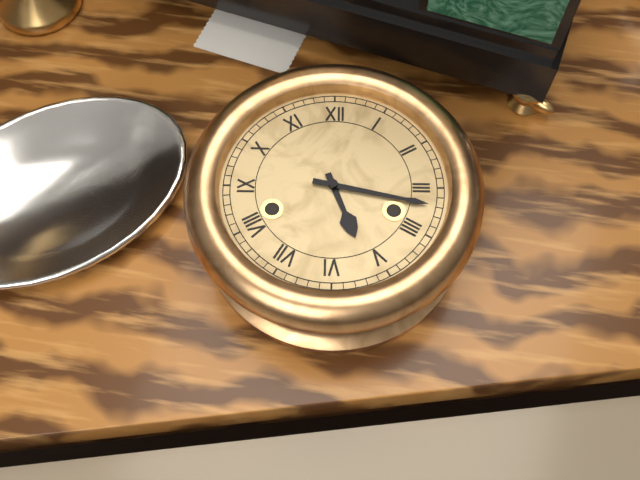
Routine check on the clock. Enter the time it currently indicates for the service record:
5:17
